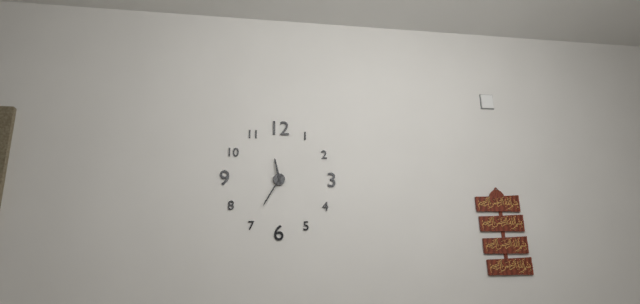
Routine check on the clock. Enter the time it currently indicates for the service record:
11:35
